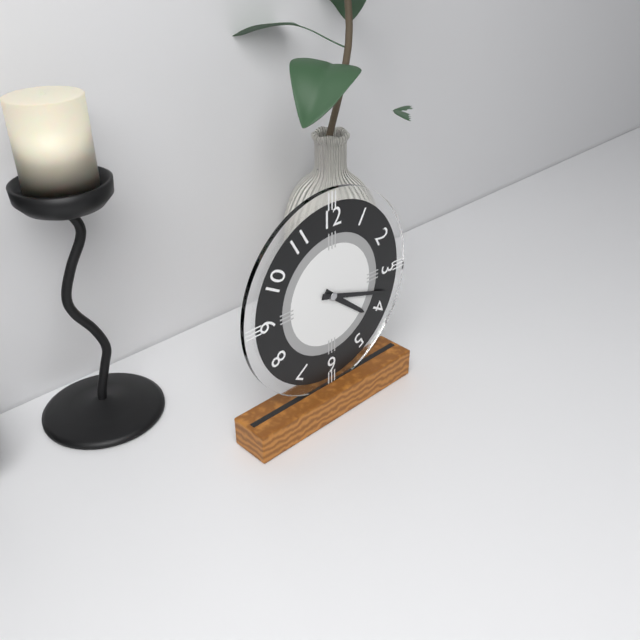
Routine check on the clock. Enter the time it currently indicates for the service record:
4:18
